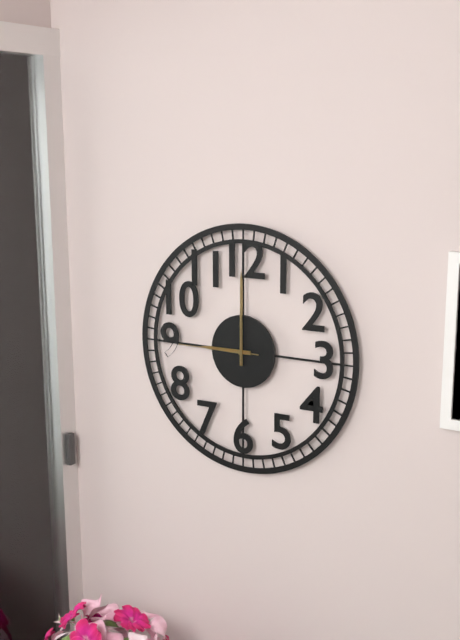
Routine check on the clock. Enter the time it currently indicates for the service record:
9:00:45
